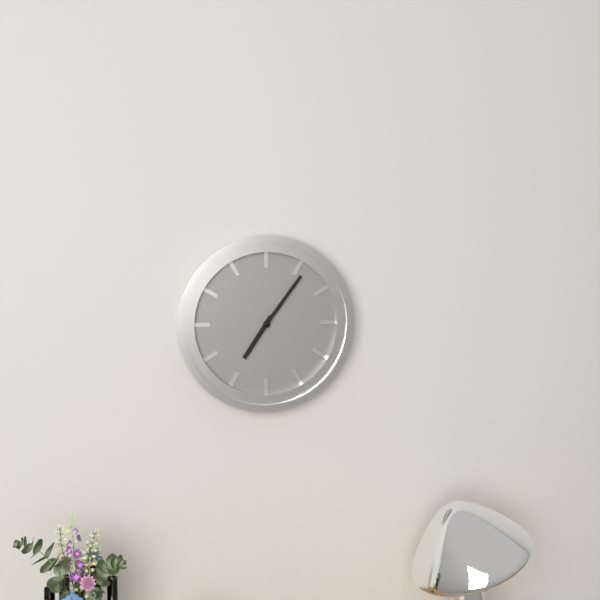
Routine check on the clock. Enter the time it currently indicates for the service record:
7:06
